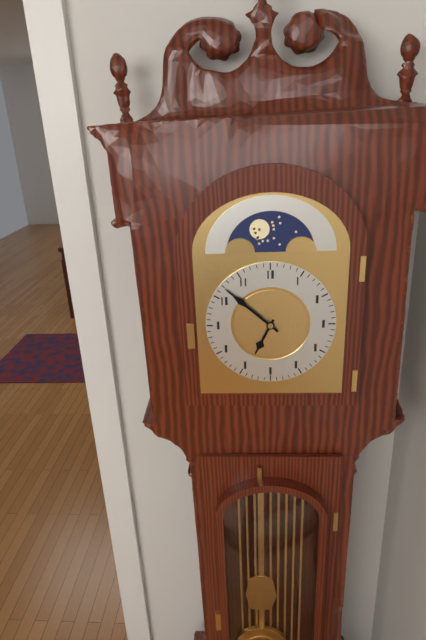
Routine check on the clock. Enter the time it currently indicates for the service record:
6:52
